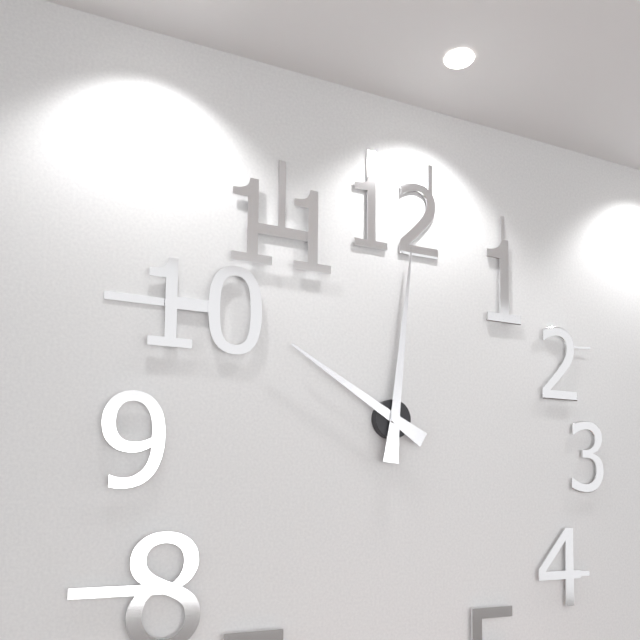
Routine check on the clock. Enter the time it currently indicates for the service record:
10:01
